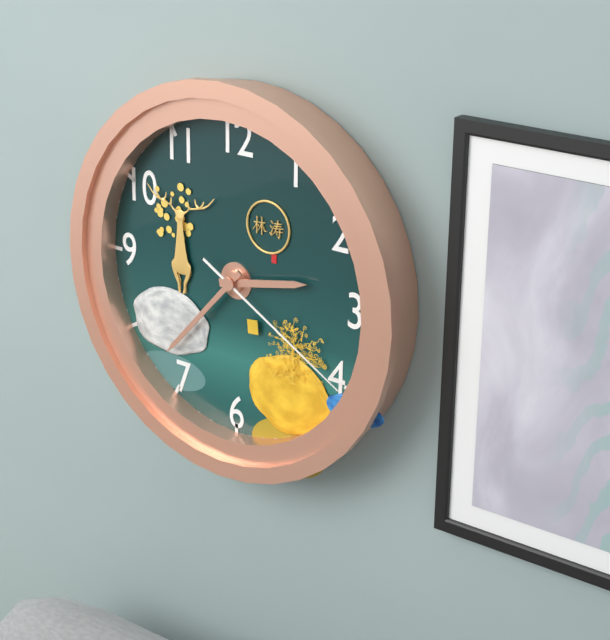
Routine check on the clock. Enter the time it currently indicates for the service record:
2:37:20
